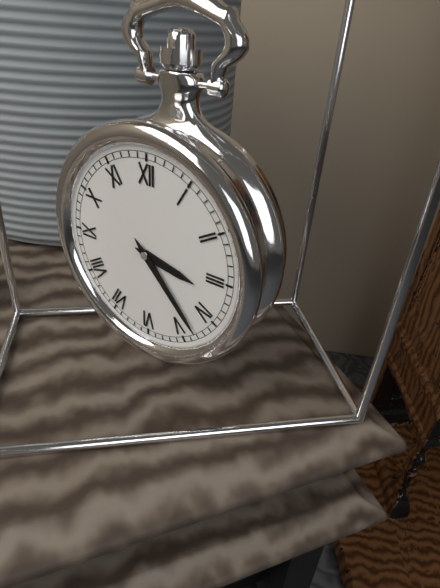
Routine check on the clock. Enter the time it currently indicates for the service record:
3:23
